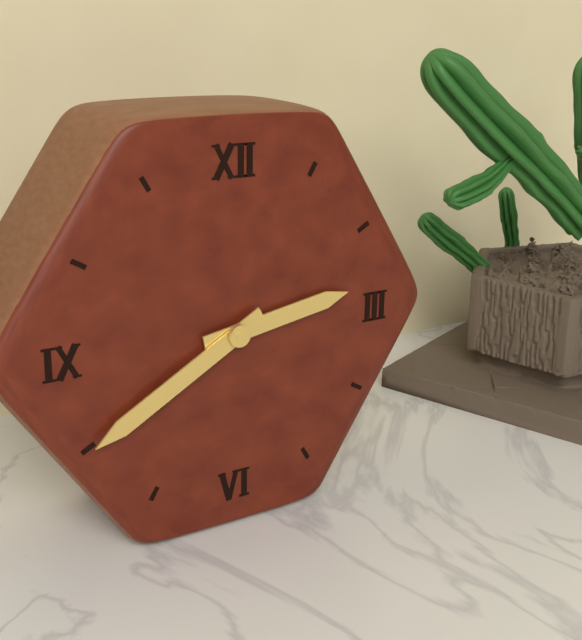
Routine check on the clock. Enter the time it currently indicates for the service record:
2:40
